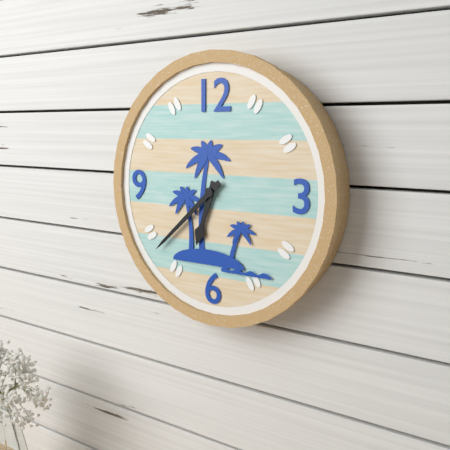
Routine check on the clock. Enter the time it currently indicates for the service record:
6:38
